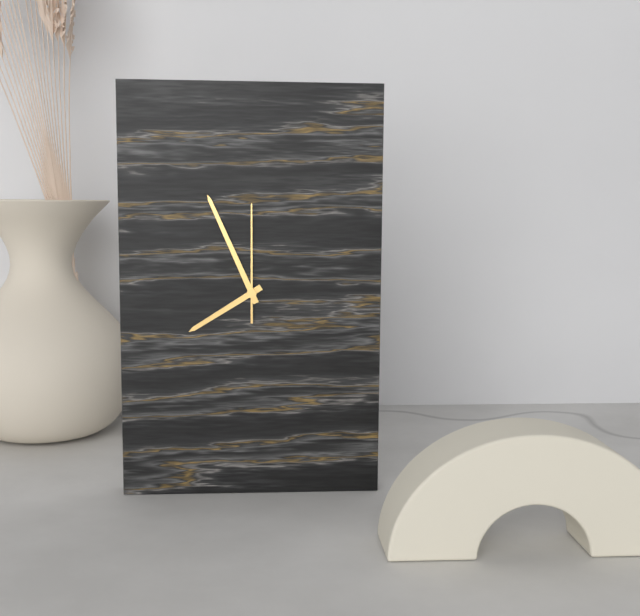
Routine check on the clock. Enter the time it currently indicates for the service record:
7:56:00
